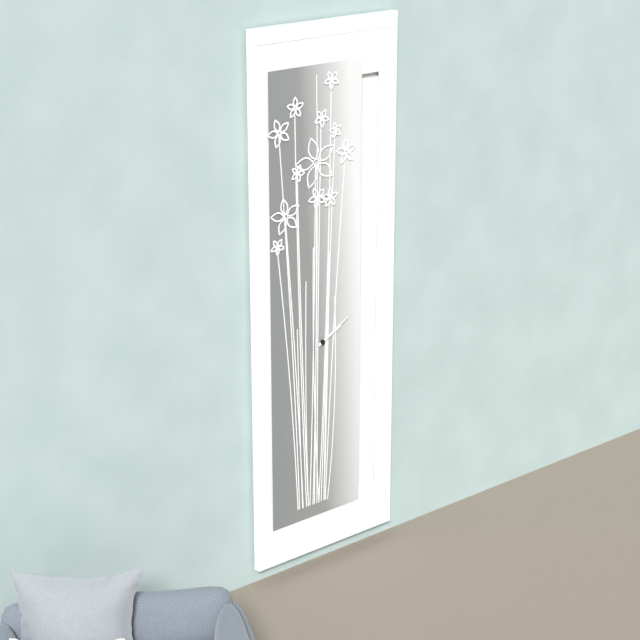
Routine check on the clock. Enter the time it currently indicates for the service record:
2:10
